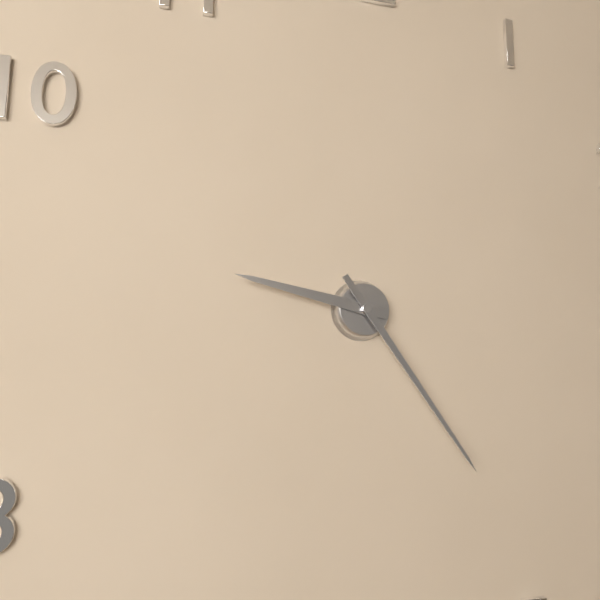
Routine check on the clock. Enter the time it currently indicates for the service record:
9:24
